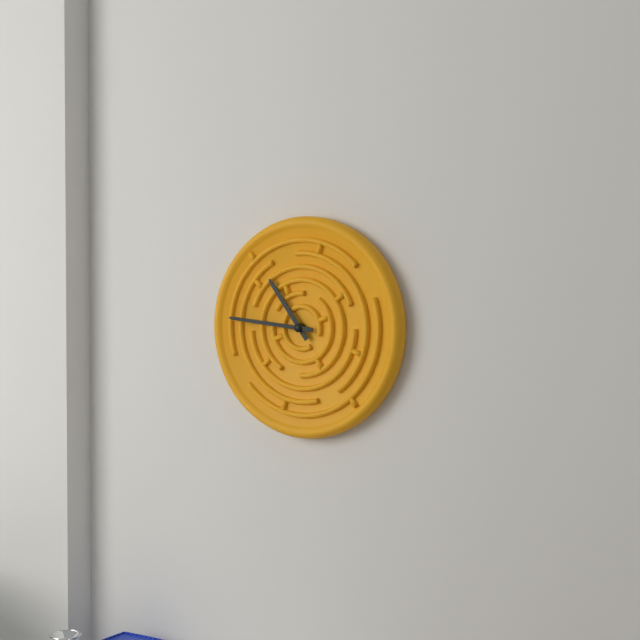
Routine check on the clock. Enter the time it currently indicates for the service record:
10:46
